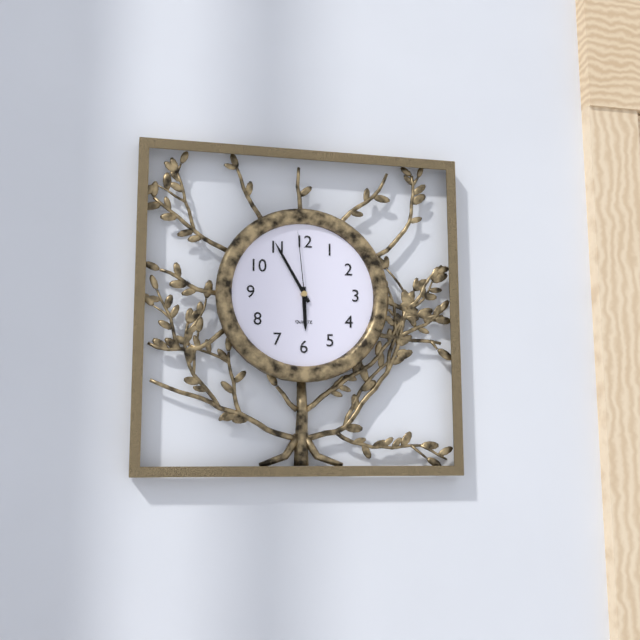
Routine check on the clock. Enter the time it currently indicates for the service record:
5:55:59
